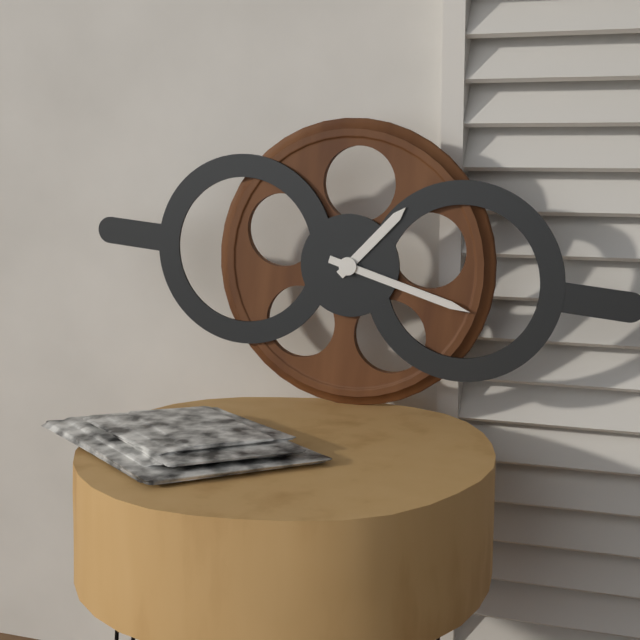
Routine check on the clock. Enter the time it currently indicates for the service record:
1:17
